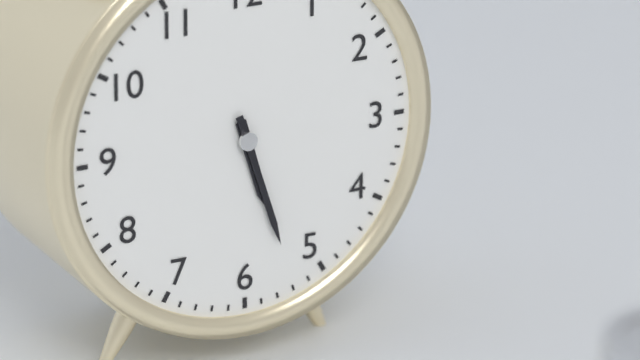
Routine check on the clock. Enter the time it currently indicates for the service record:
5:27
